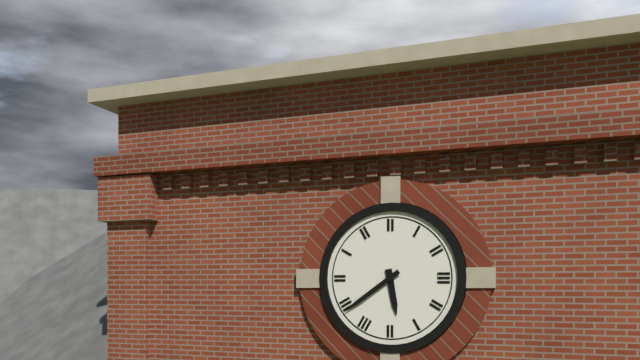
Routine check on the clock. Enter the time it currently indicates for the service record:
5:39
